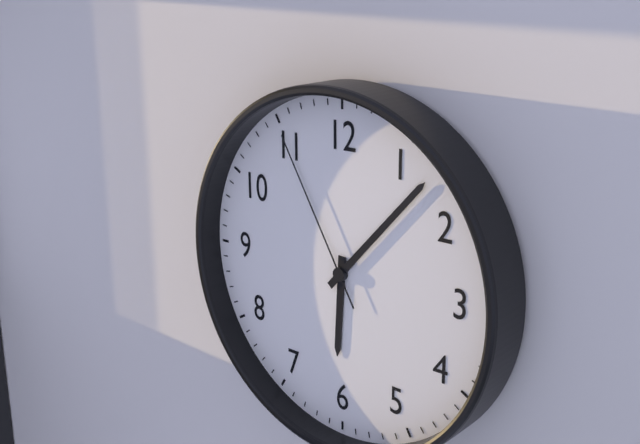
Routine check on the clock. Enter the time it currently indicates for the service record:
6:07:55
